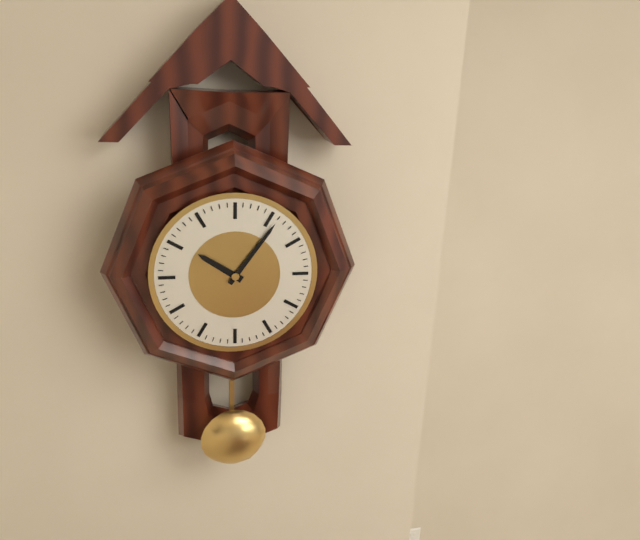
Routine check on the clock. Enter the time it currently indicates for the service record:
10:06
